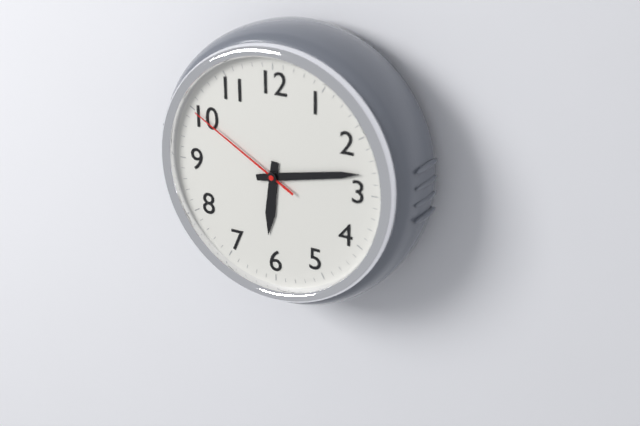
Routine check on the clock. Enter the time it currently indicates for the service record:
6:13:50
